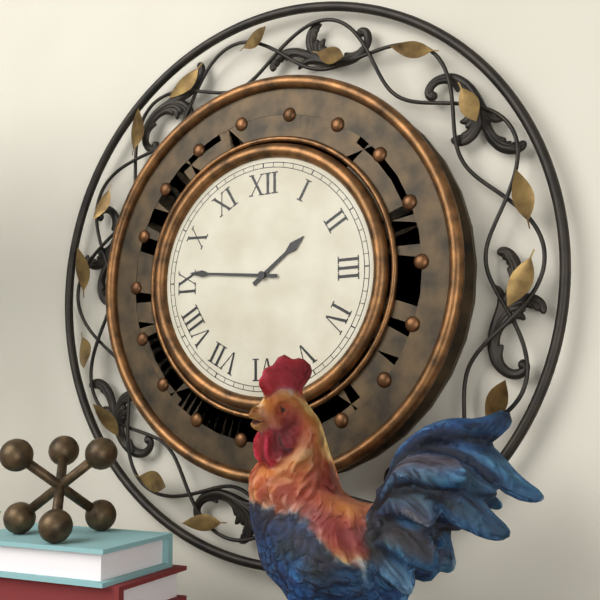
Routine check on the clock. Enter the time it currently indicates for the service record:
1:46
